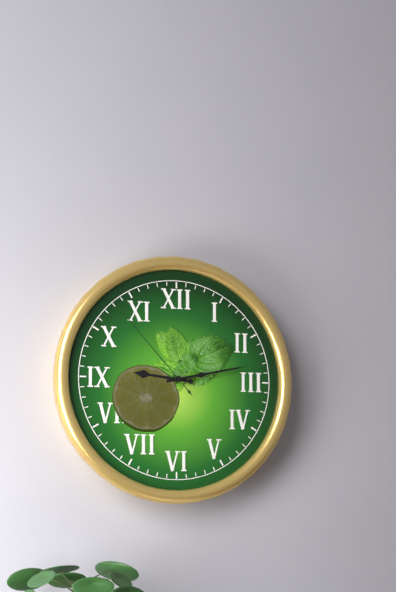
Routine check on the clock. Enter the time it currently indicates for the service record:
9:13:53
